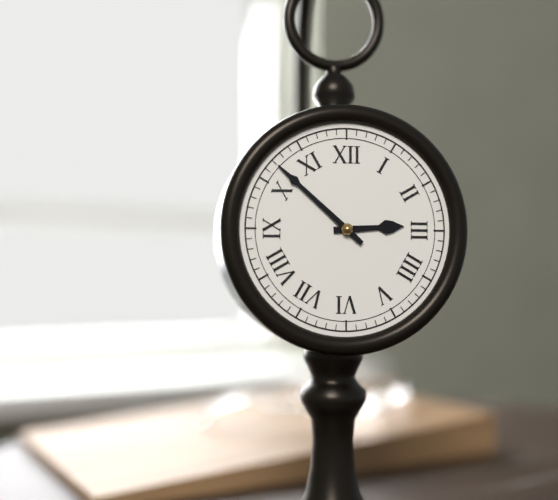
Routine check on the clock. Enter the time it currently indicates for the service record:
2:52
